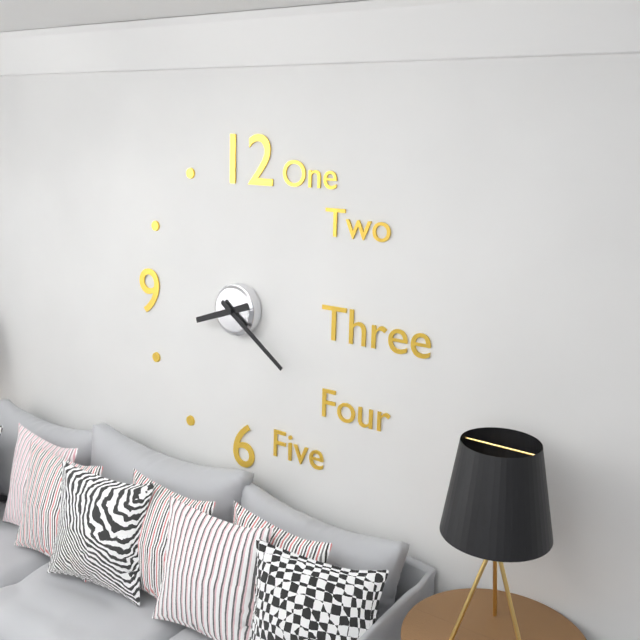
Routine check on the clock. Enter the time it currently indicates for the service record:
8:21
